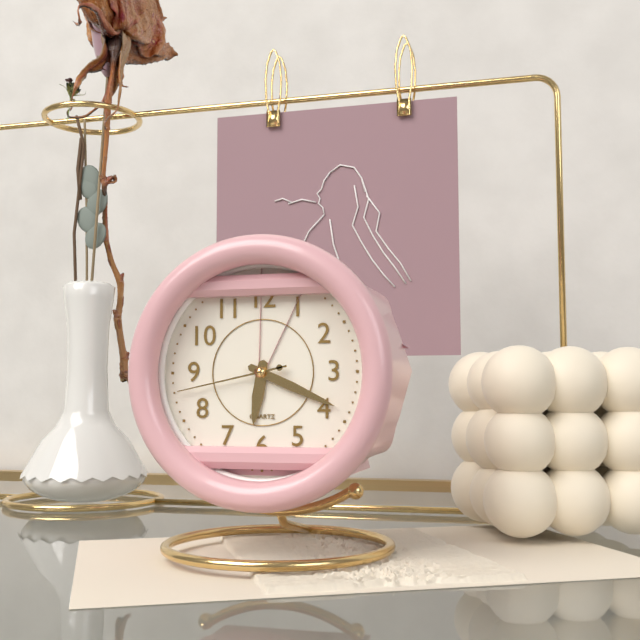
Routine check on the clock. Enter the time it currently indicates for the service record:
6:19:43
